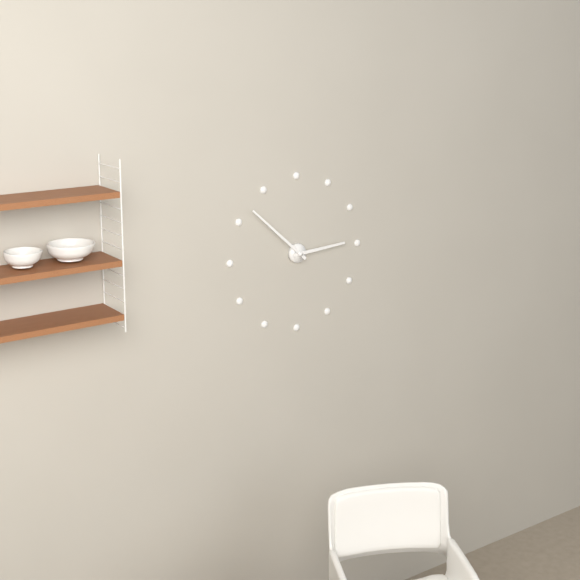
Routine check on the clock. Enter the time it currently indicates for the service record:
2:52
